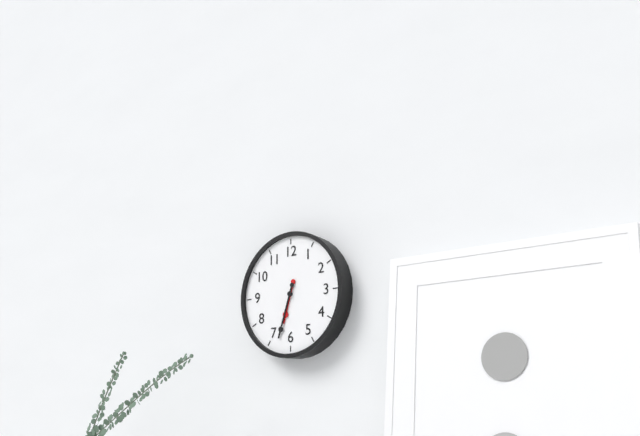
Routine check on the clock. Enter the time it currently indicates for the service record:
6:33
